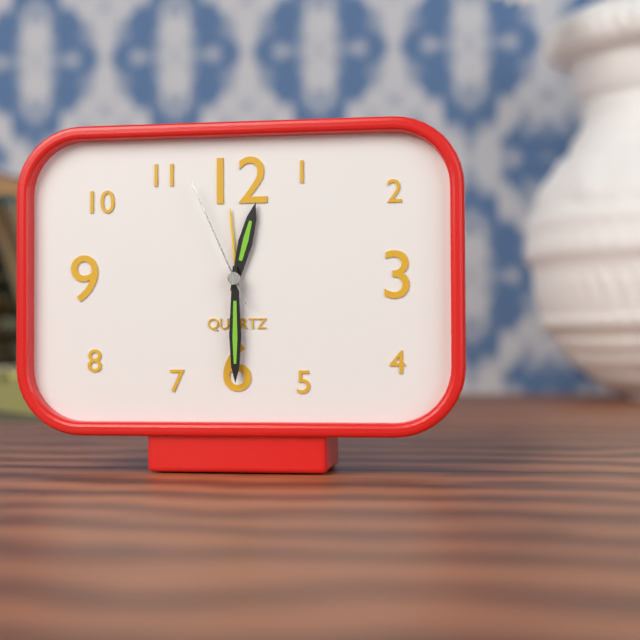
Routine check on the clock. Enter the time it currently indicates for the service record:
12:30:56
